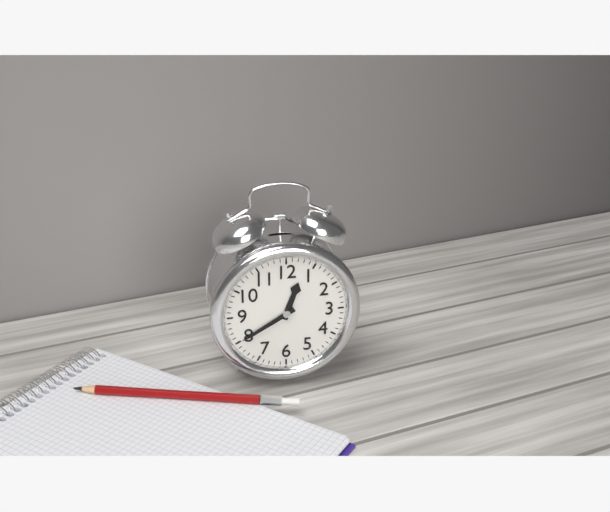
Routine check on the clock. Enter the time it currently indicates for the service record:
12:40
